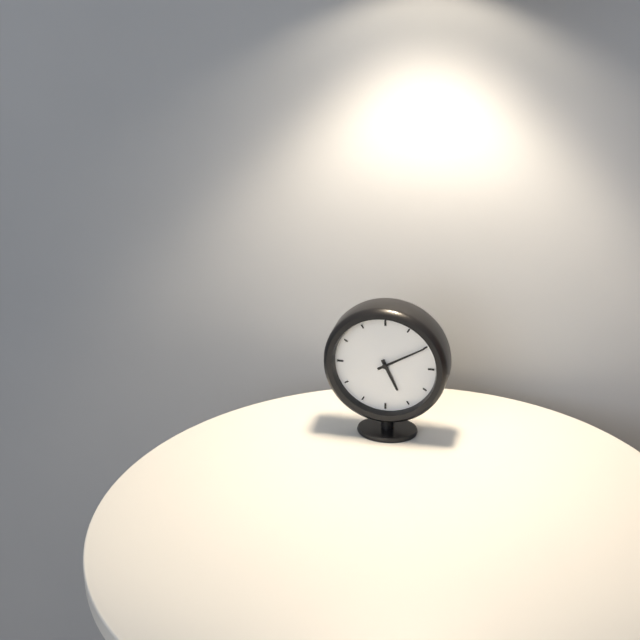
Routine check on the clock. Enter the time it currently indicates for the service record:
5:10
